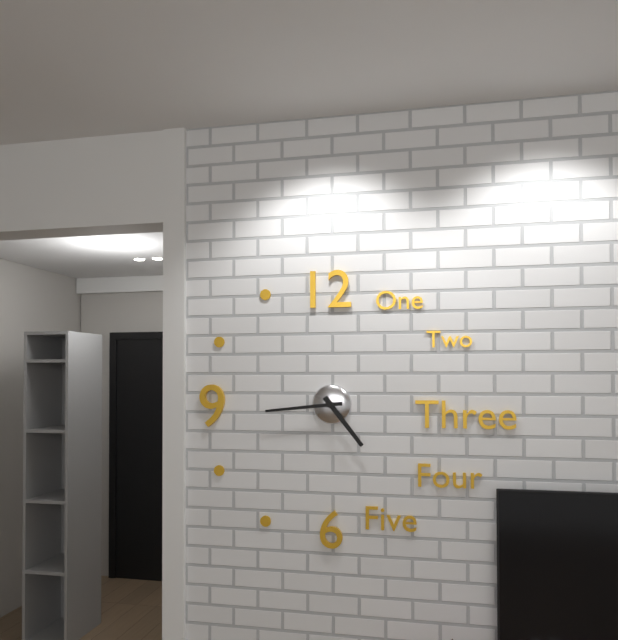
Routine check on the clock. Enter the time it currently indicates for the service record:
4:44
